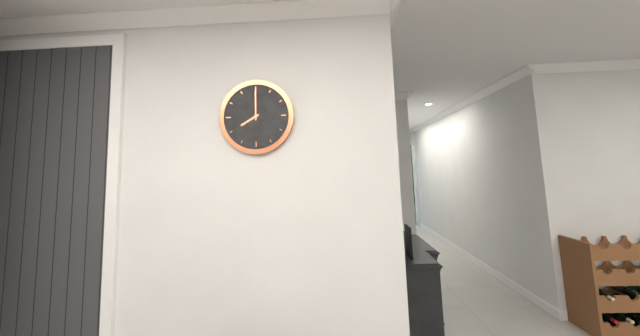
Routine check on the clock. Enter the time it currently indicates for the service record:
8:00
